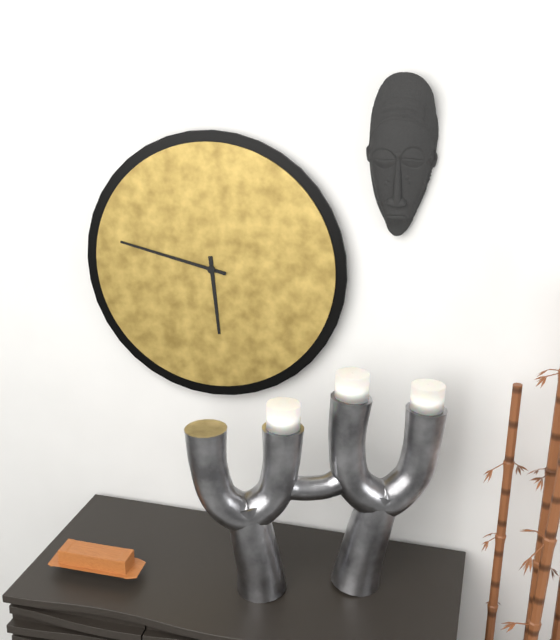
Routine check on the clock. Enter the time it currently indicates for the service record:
5:47
